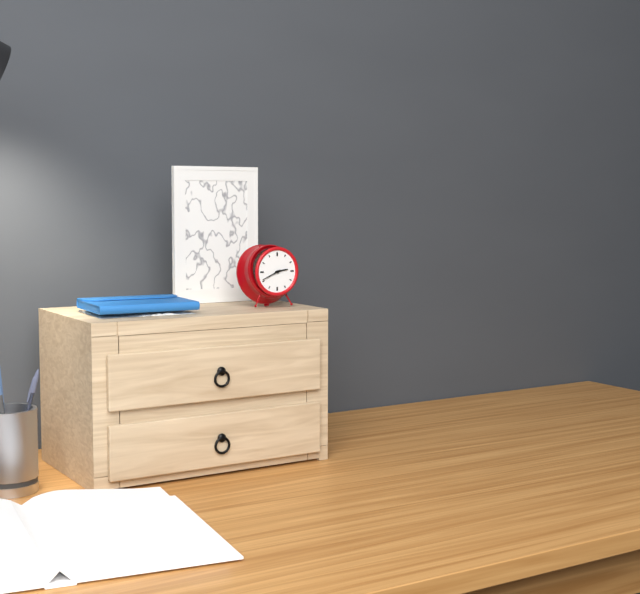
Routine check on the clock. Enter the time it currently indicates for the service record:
2:41
